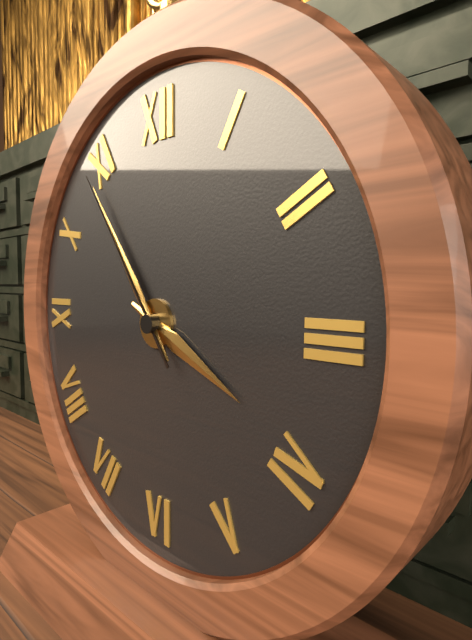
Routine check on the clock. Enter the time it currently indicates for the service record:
3:54:54
